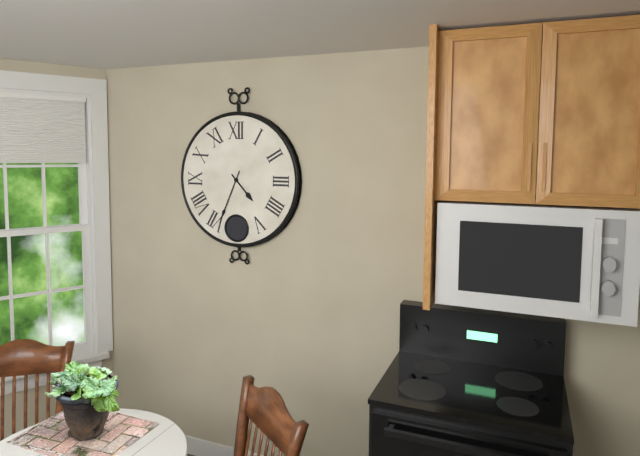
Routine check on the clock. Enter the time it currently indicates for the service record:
4:34
